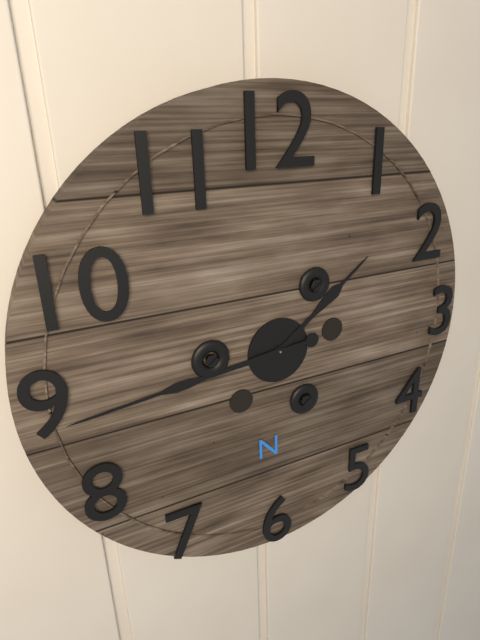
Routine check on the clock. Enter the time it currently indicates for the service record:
1:44
